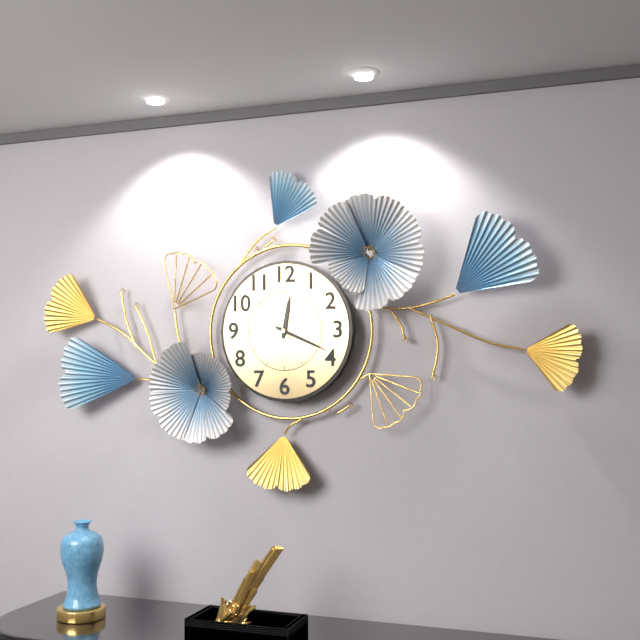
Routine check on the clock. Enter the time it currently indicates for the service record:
12:19:53
